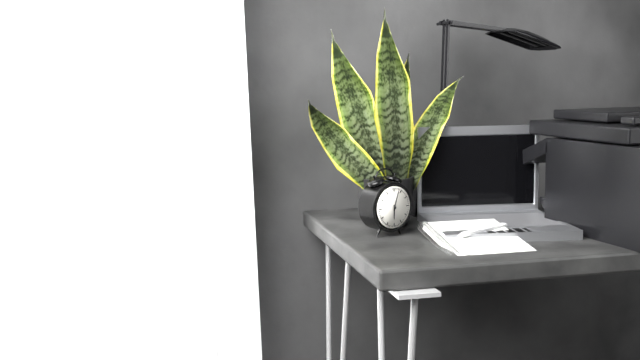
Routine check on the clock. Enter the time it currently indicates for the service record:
6:03
